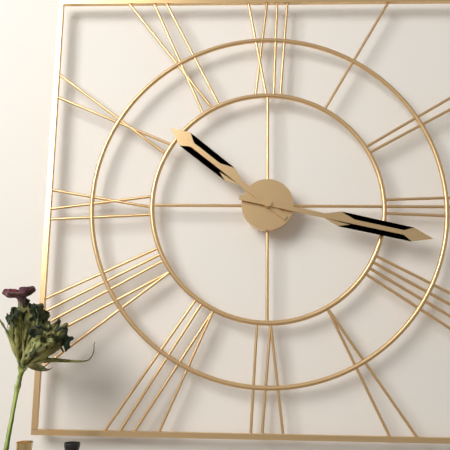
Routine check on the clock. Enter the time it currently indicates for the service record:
10:17
